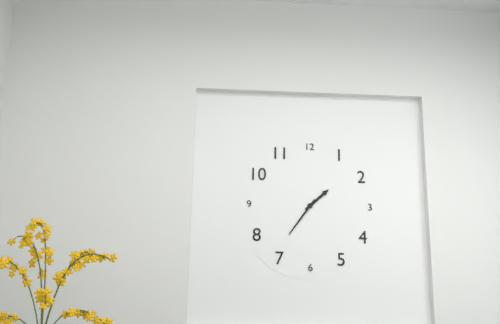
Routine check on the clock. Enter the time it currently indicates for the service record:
1:36
